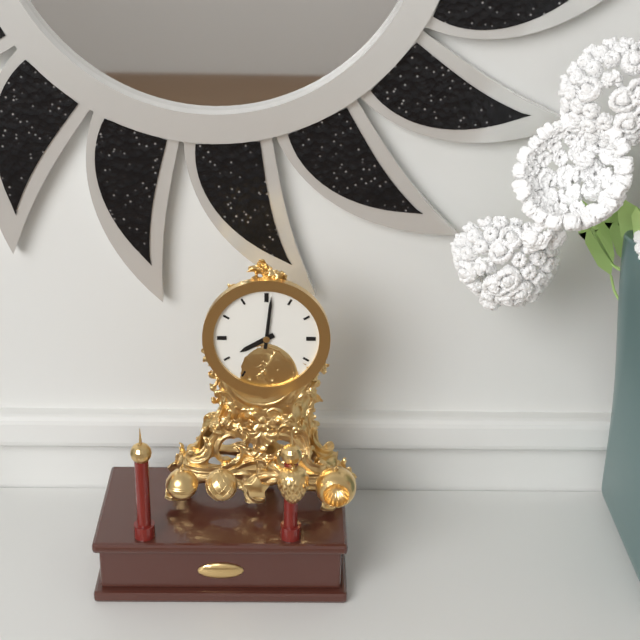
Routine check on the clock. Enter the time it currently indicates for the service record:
8:01
